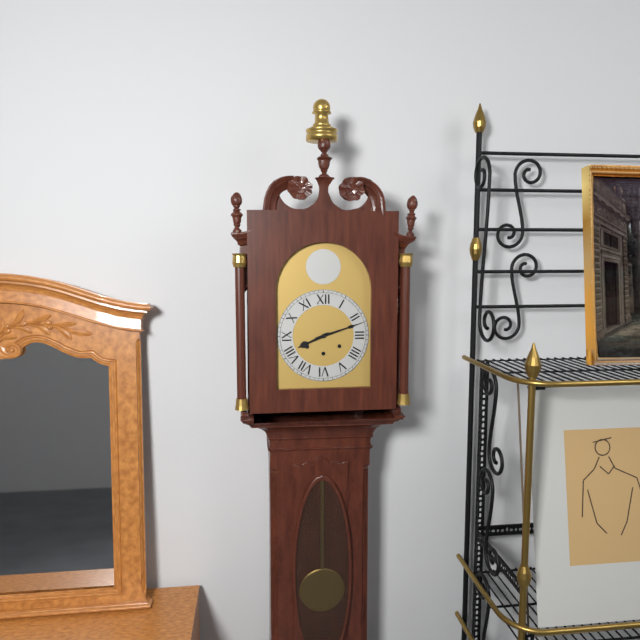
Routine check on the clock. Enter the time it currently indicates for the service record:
8:12
